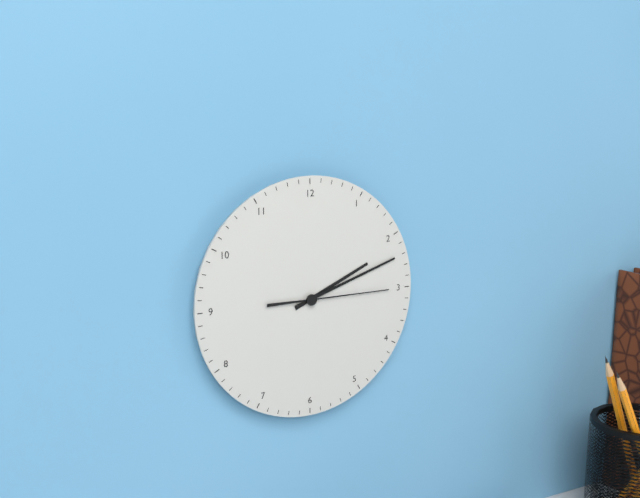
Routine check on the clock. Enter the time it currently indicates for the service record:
2:12:15
